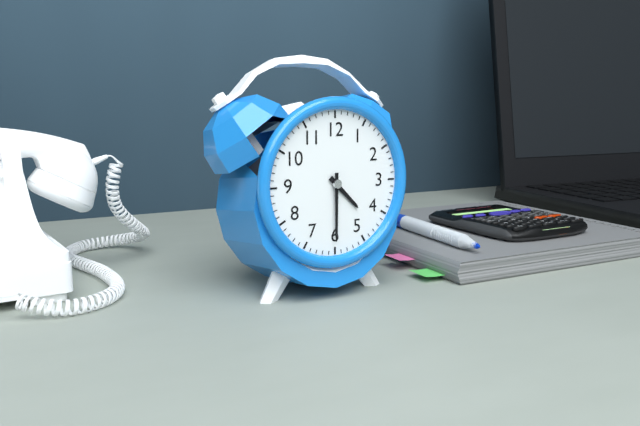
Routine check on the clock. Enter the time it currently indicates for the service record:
4:30
